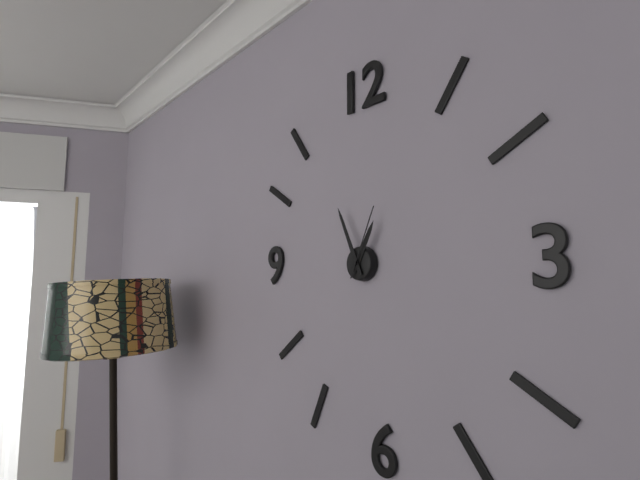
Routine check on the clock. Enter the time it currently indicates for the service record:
12:56:04
